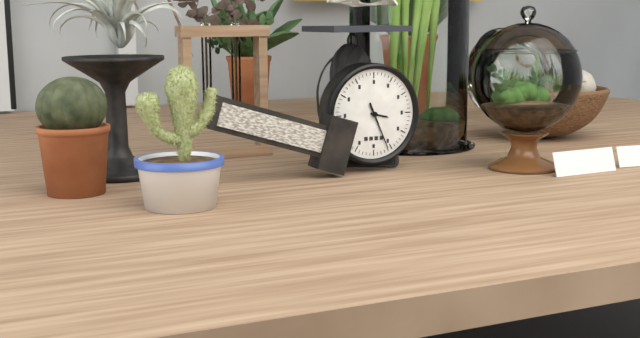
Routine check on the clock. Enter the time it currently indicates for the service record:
3:26
